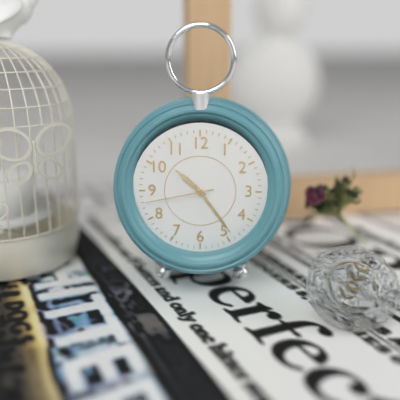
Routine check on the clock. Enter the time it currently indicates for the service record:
10:24:43
